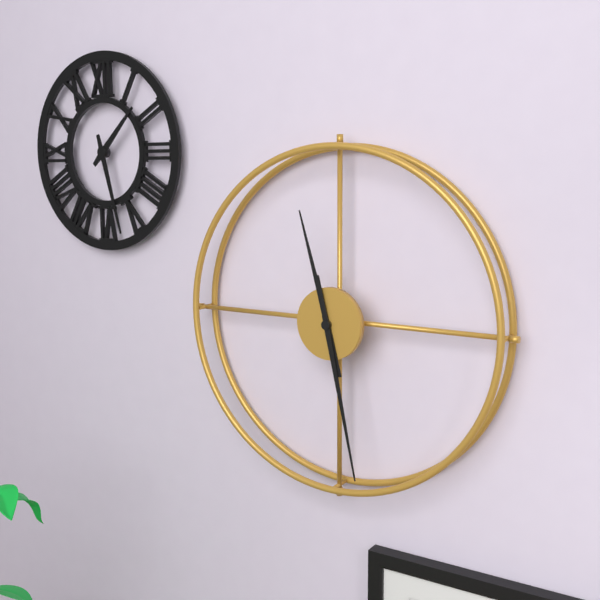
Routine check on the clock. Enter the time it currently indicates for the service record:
11:28
